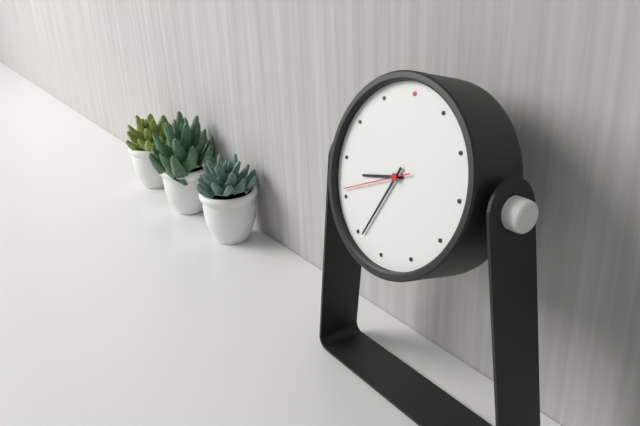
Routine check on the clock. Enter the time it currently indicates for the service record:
8:34:41
